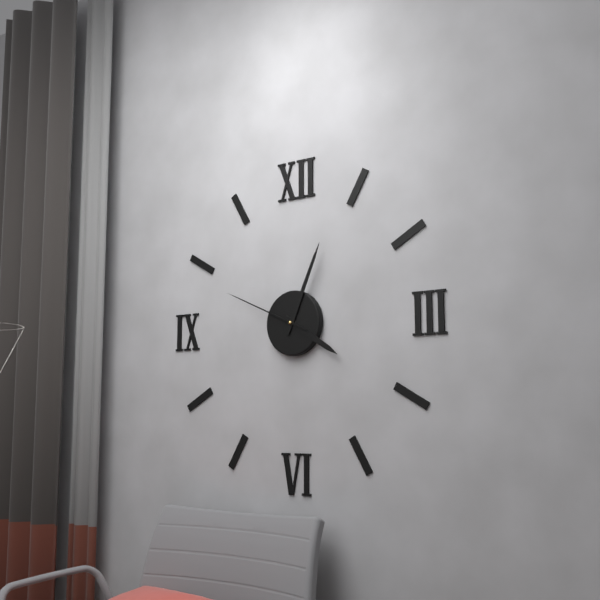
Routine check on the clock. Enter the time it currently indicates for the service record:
4:04:49
